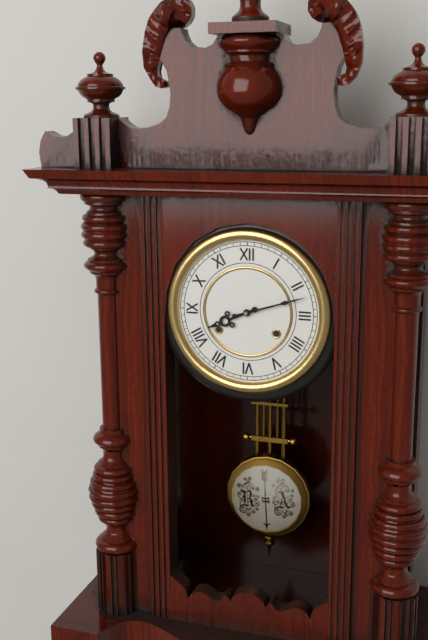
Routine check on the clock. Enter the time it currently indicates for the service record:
8:12
